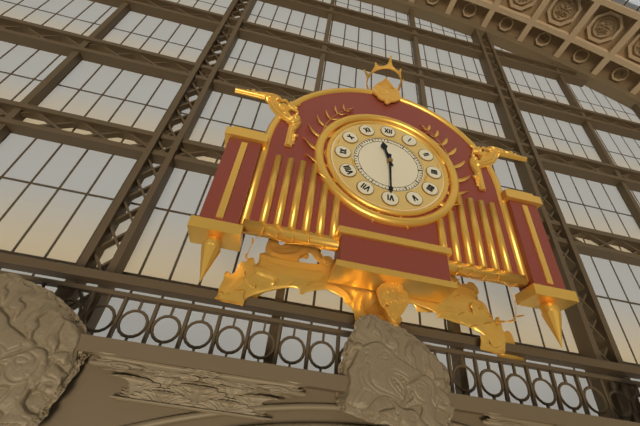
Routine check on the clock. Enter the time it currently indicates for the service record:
11:30
